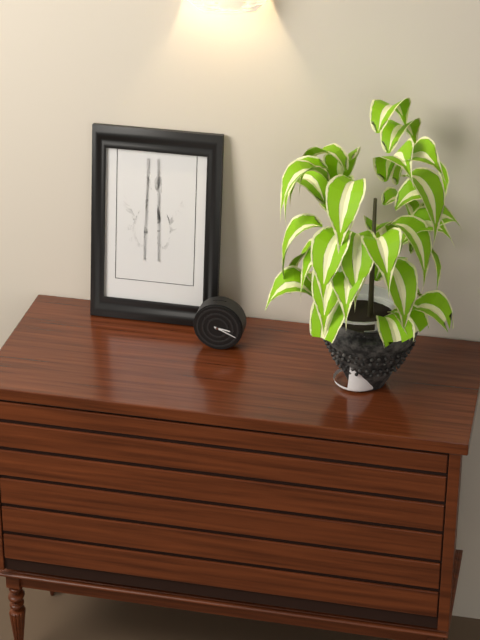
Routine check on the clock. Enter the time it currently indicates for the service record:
3:19
